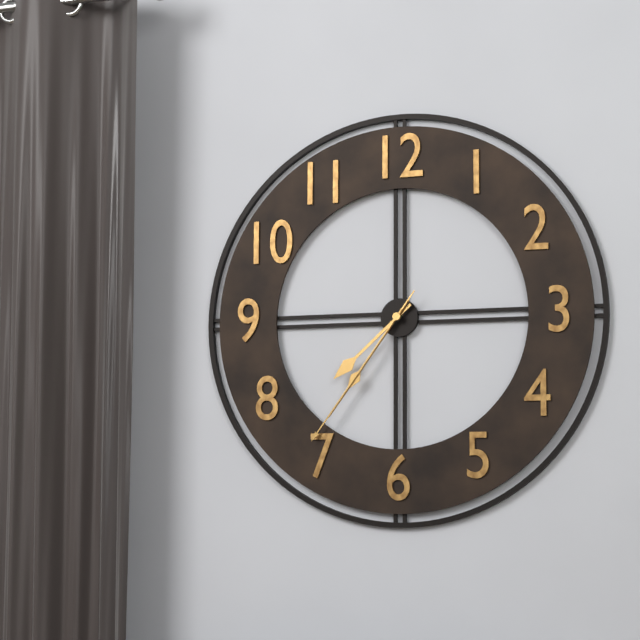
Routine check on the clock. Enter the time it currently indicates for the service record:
7:36:36
